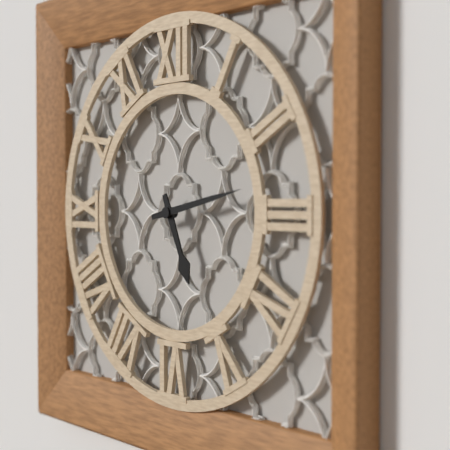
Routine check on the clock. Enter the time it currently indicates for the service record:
5:13
